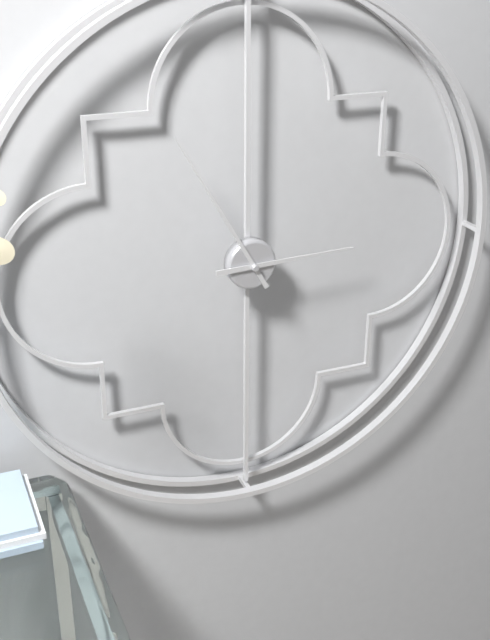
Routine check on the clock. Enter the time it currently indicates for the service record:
2:55
